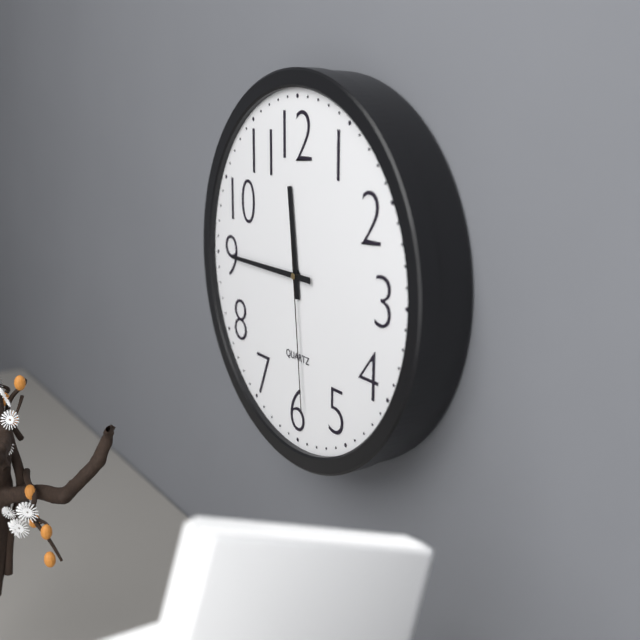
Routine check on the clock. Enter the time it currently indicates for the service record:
11:45:29
